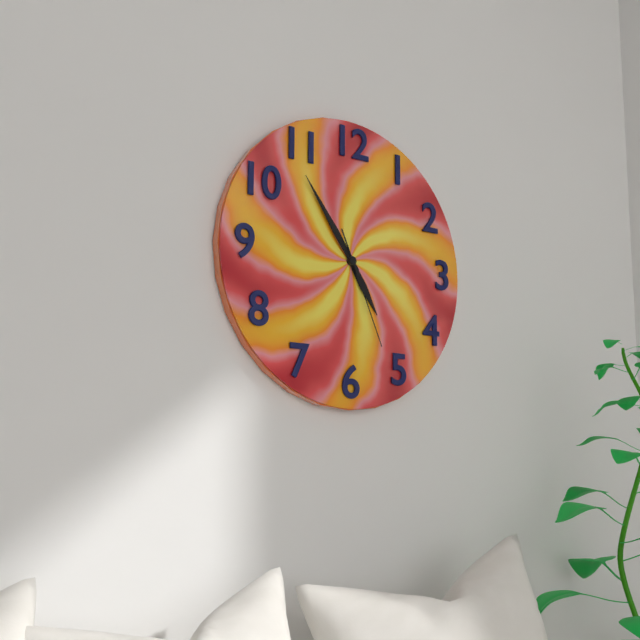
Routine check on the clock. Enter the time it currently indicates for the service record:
4:54:26
